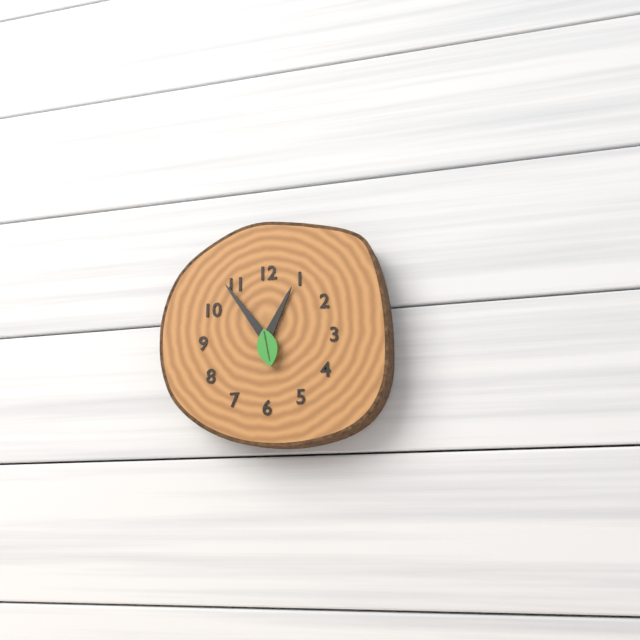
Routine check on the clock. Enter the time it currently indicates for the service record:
12:54
